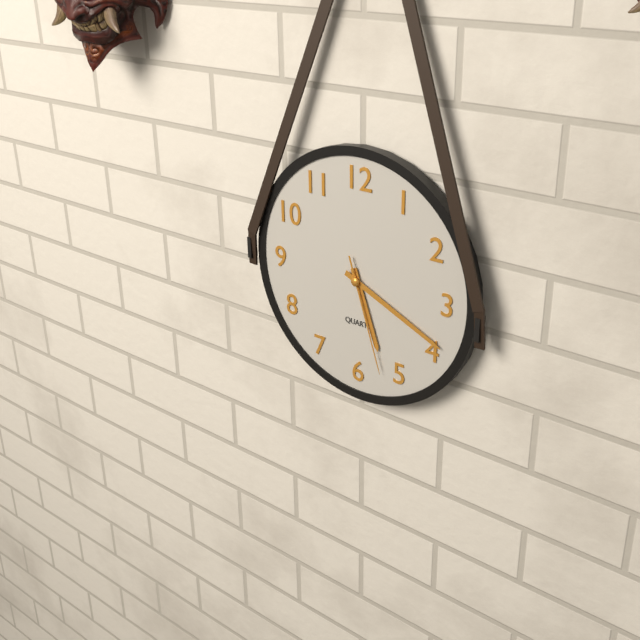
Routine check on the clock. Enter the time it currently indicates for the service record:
5:19:27
